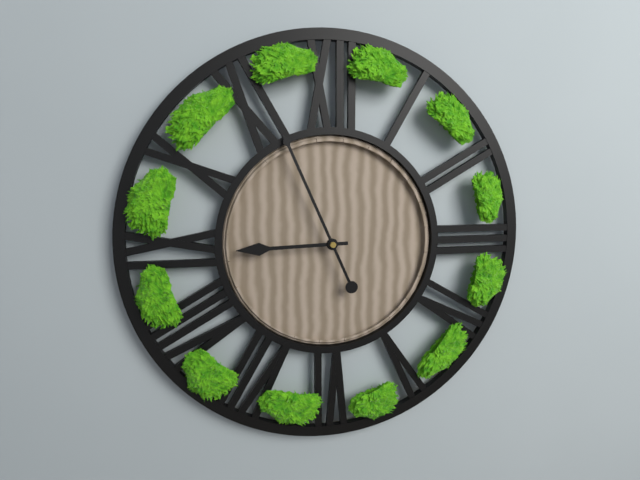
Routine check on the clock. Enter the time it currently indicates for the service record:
8:56
